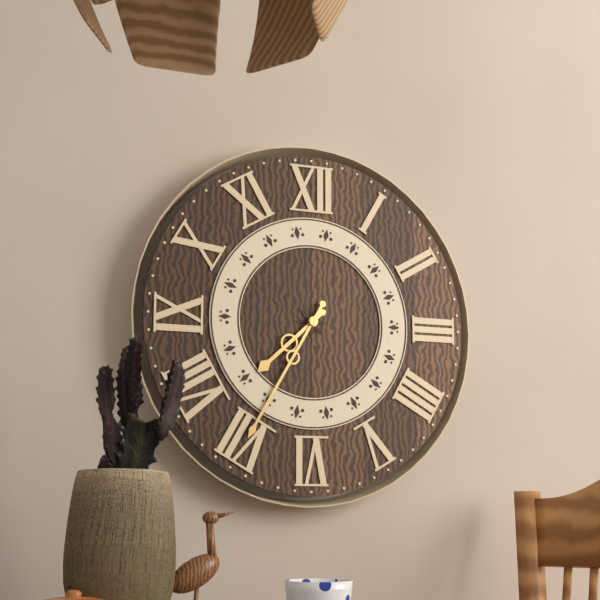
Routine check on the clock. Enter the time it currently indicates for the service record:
7:35
